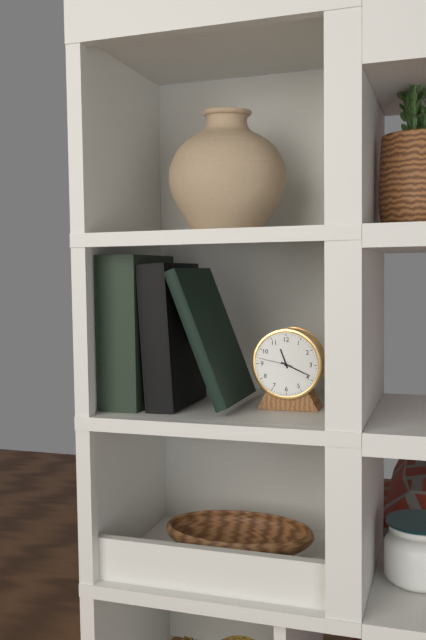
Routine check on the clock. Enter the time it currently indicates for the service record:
11:19
